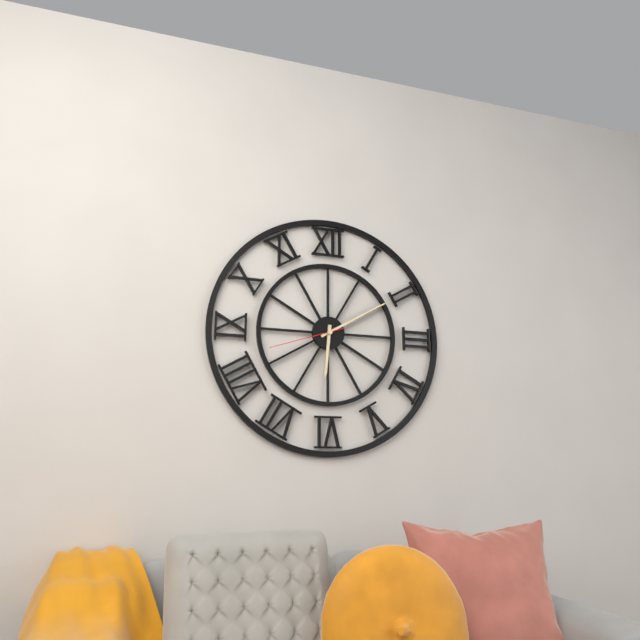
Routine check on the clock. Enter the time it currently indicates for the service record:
6:10:42
